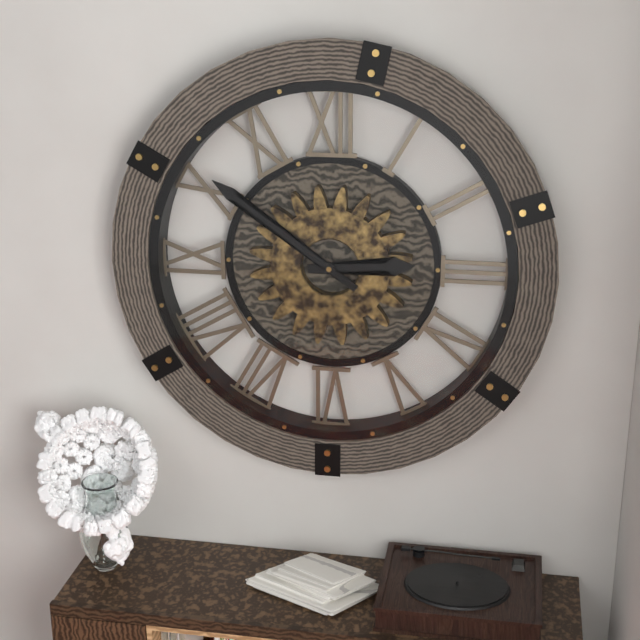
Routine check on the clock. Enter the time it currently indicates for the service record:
2:51
